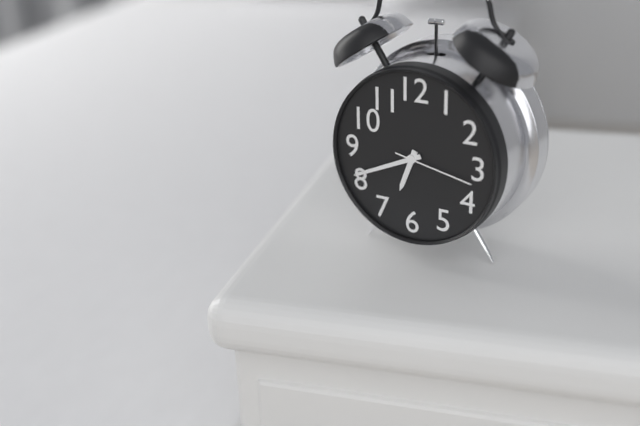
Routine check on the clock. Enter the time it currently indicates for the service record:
6:41:17
